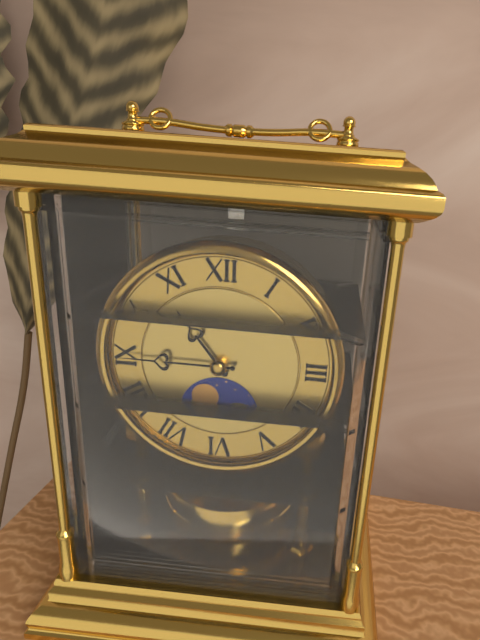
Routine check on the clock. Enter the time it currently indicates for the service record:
10:45
